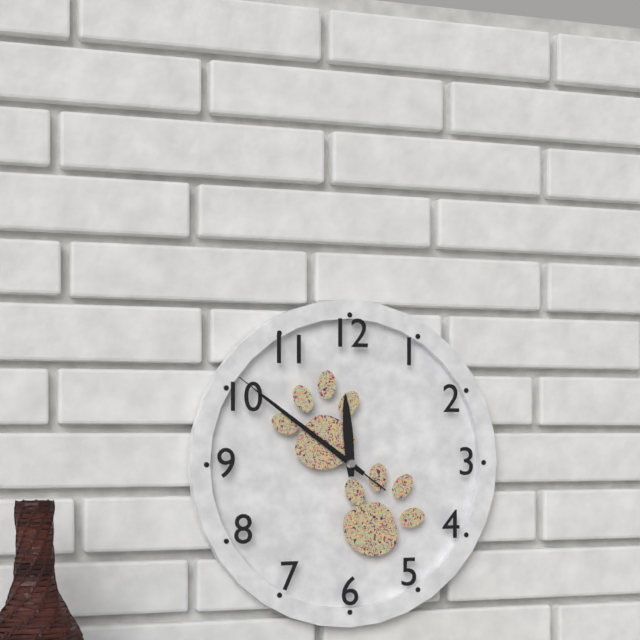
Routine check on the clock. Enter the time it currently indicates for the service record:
11:51:51
